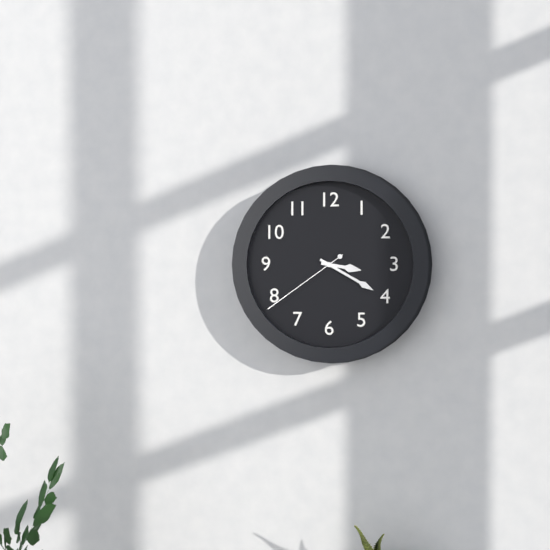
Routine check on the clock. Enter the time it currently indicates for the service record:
3:20:39
